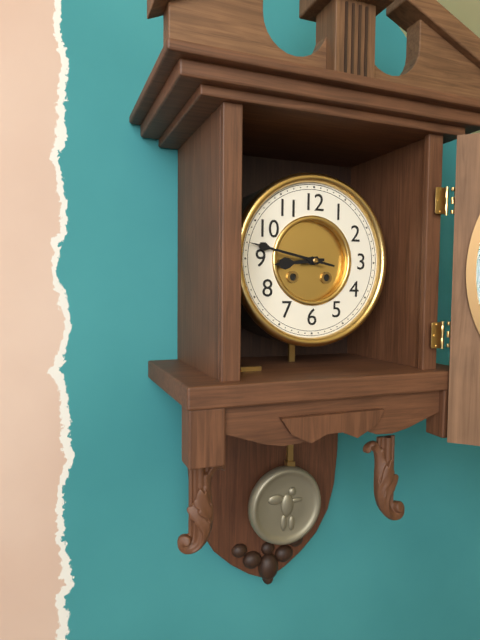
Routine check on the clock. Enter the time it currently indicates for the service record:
8:47
